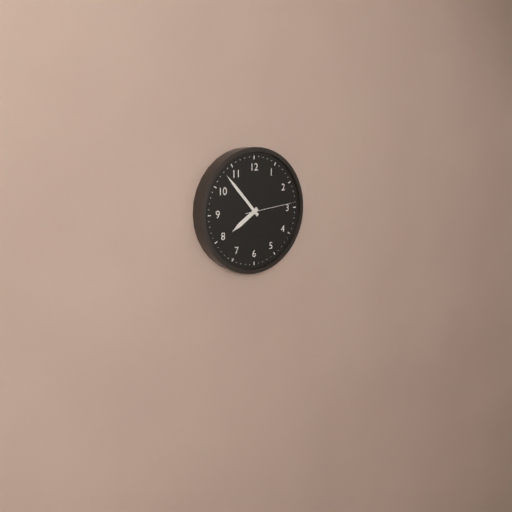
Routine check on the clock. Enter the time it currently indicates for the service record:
7:53:14
